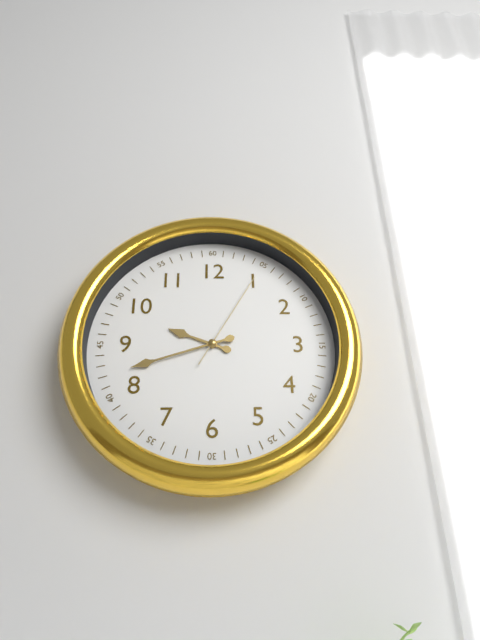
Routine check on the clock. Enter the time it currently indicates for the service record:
9:42:05
